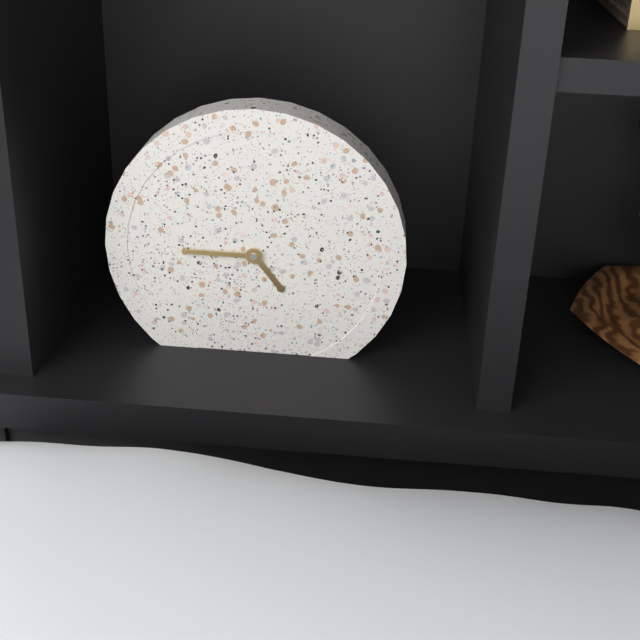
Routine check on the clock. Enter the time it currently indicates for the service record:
4:45
